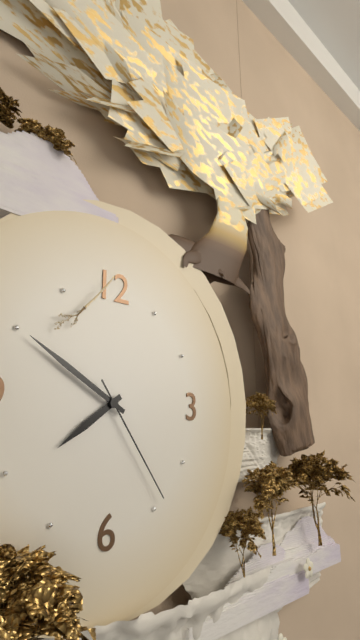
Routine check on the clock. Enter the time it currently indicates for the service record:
7:50:24
